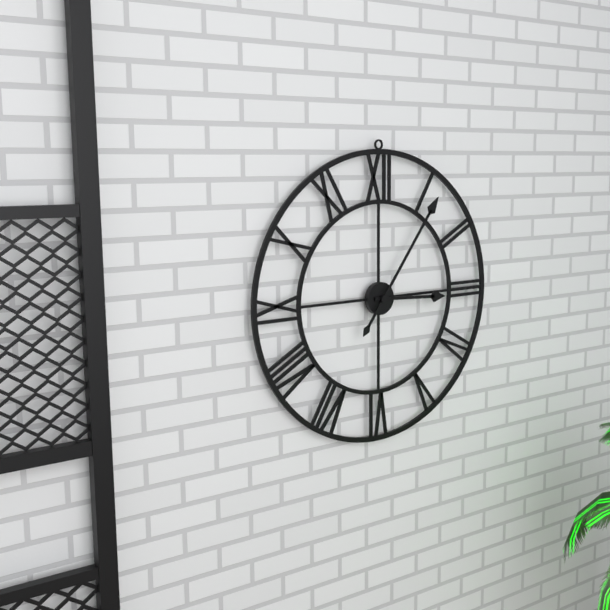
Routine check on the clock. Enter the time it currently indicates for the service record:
3:06
